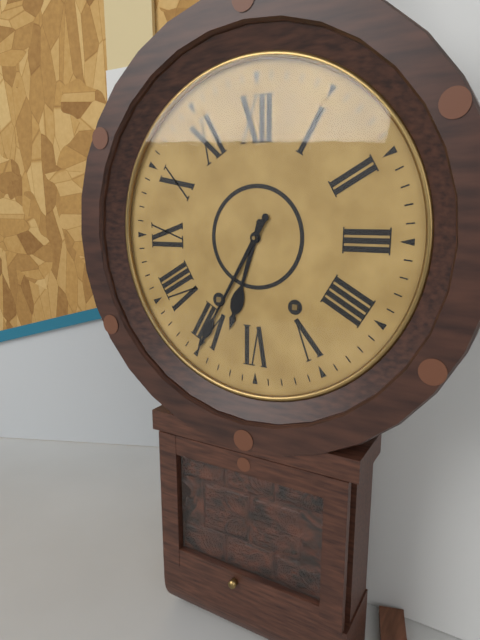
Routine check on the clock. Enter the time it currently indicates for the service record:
6:35
